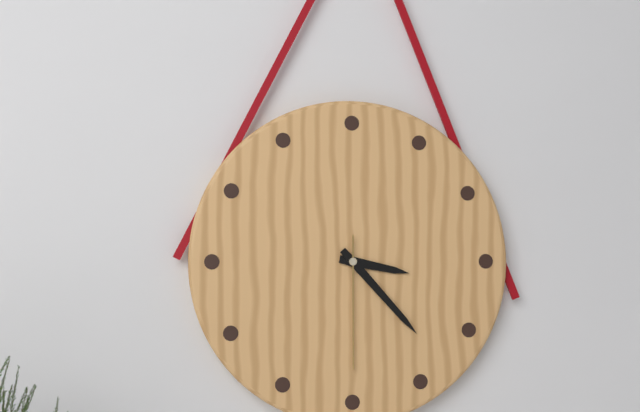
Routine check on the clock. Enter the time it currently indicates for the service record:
3:23:30
